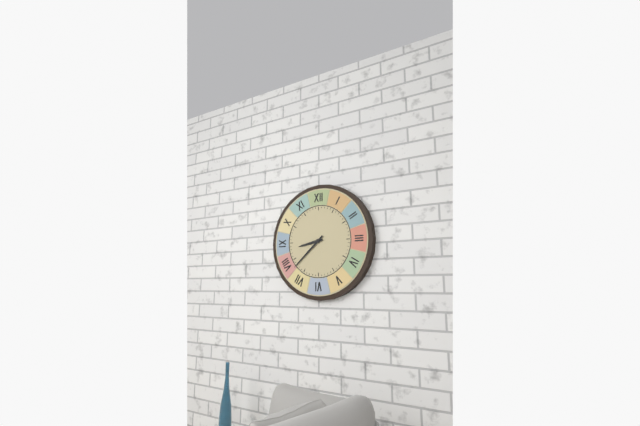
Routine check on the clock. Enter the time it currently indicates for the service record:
8:38
